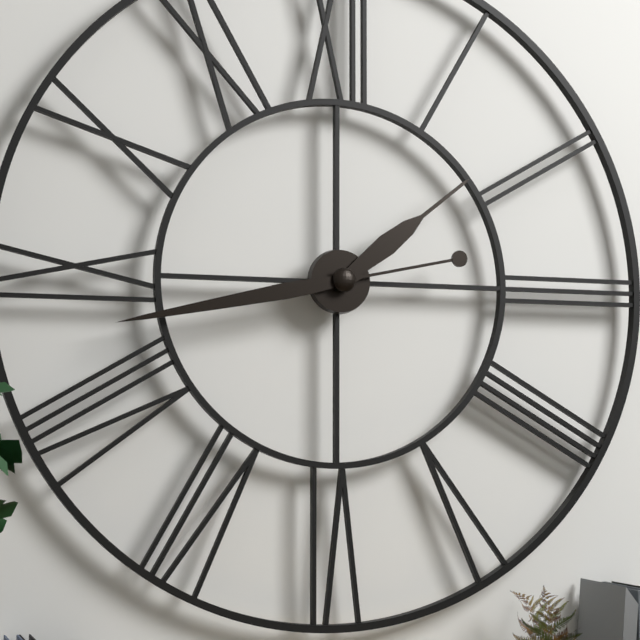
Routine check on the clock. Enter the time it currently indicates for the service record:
1:43
